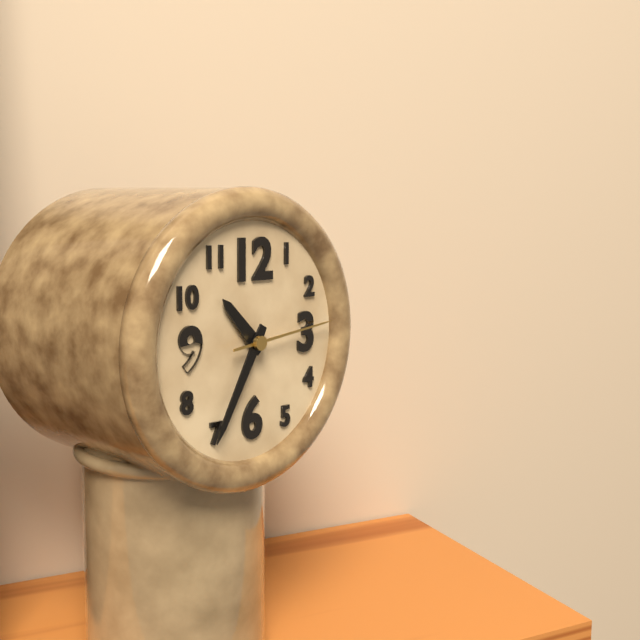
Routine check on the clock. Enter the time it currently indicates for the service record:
10:35:14
